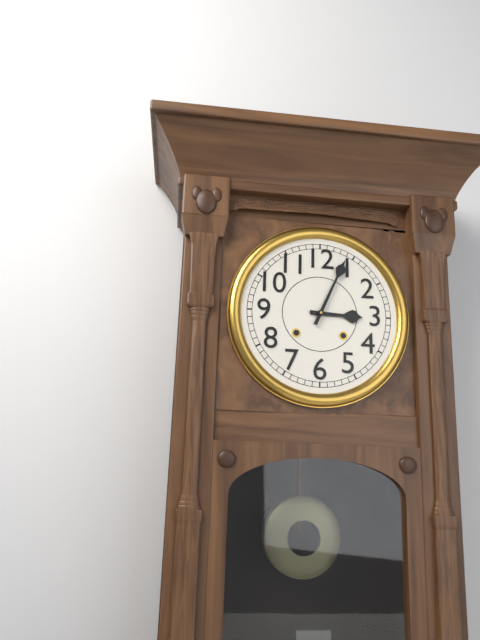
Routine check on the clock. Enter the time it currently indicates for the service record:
3:04
